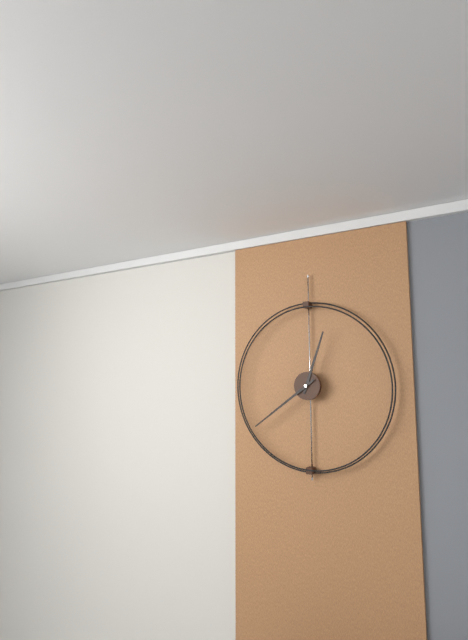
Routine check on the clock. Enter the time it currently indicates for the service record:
12:39
